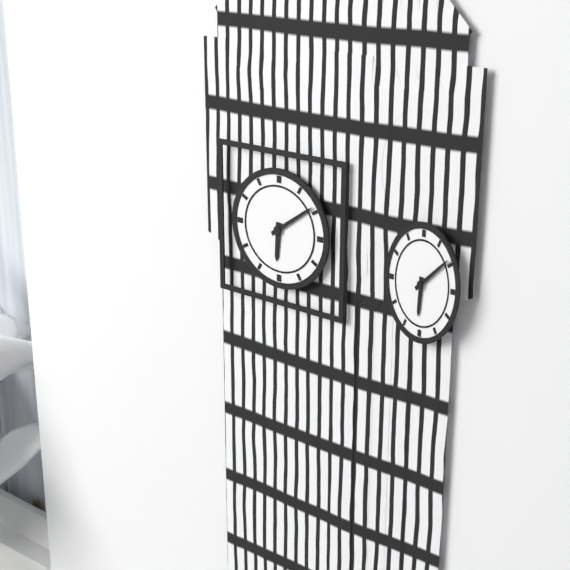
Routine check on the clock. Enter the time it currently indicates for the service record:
6:09
